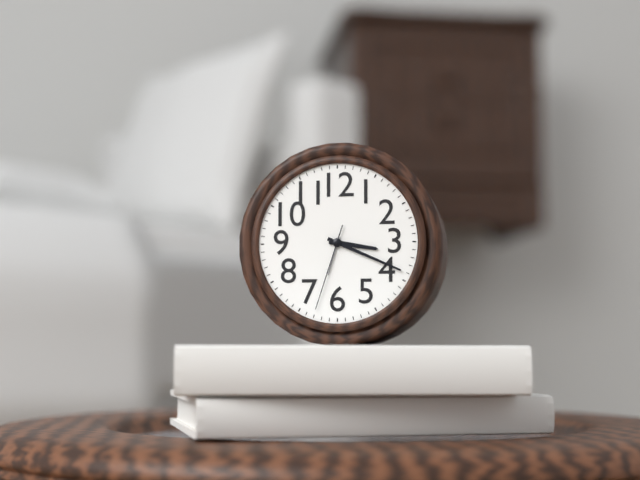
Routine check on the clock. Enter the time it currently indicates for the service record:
3:19:33
